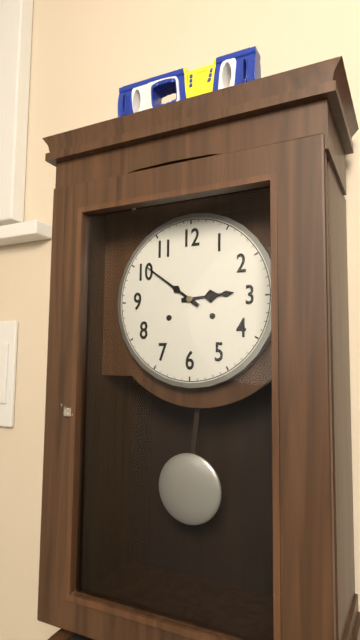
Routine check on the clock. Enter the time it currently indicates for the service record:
2:51
